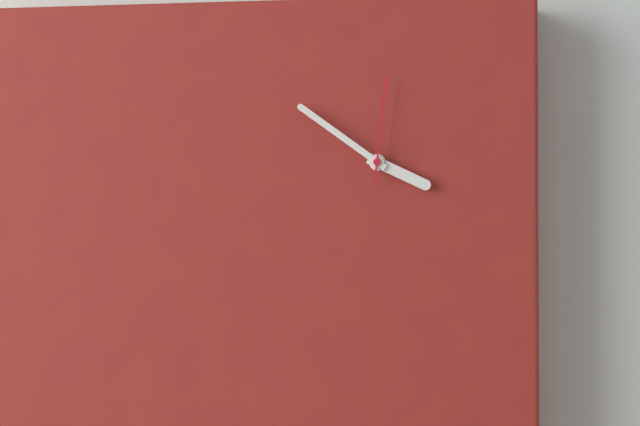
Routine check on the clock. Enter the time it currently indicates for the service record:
3:51:01
